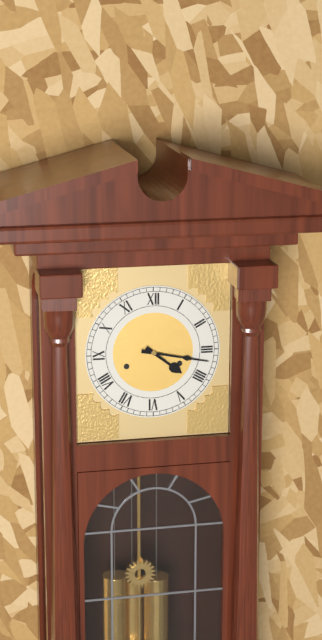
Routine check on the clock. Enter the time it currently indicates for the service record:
4:17
